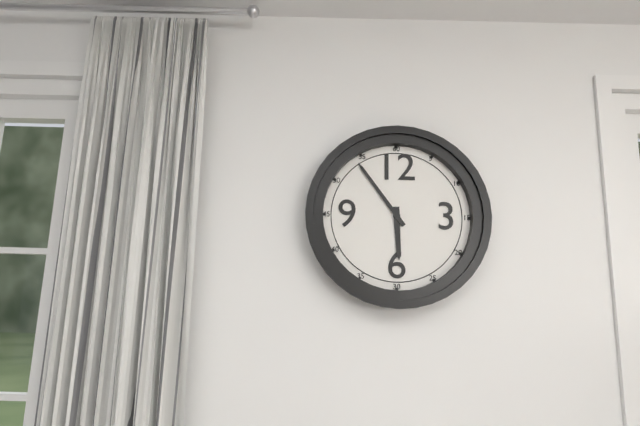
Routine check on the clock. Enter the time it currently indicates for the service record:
5:54
